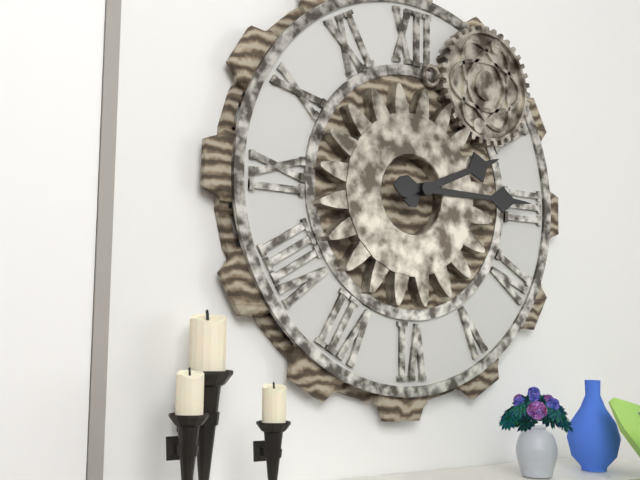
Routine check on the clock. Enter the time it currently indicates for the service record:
2:15
